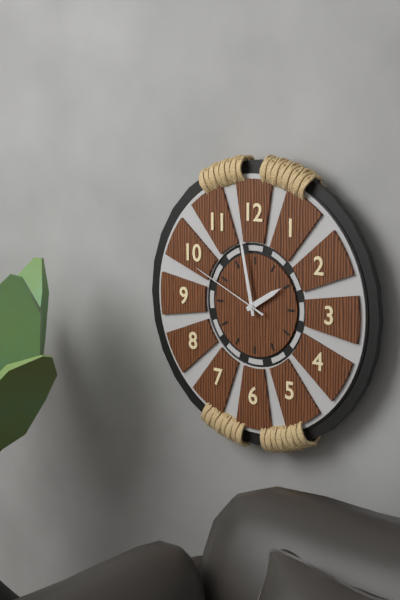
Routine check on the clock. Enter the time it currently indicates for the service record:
1:58:49
